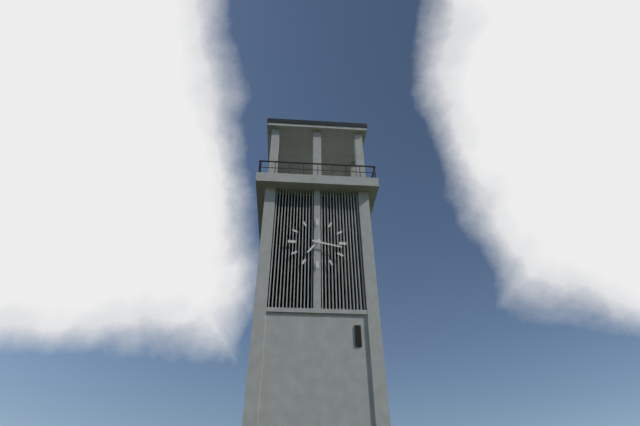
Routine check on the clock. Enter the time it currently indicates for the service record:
7:17
